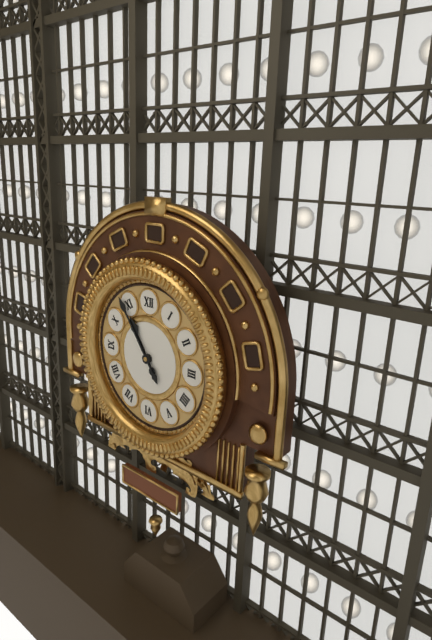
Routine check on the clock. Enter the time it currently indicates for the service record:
10:54
